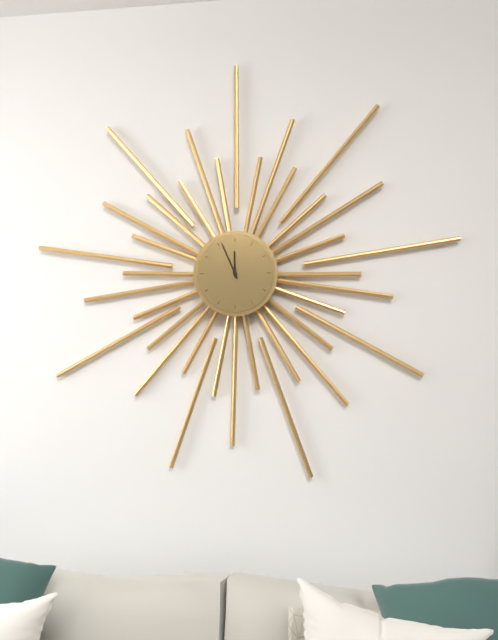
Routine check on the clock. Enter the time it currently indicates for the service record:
11:56
